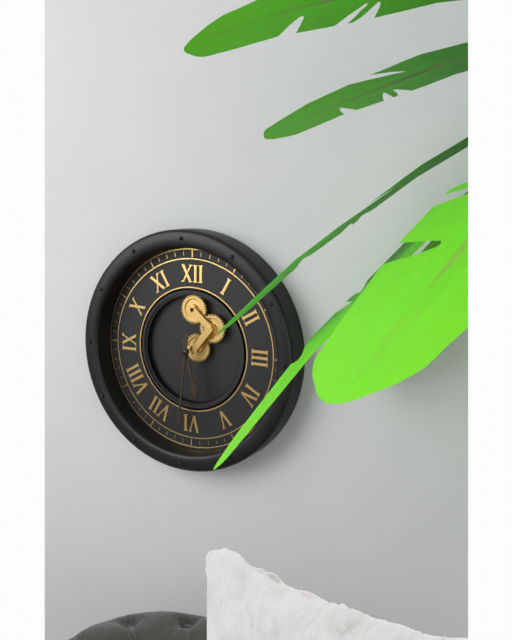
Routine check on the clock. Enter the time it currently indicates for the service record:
5:31
